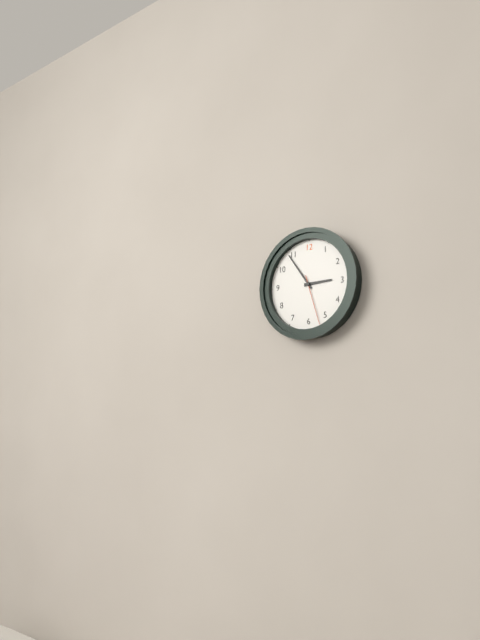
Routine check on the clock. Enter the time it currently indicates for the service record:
2:54:27
